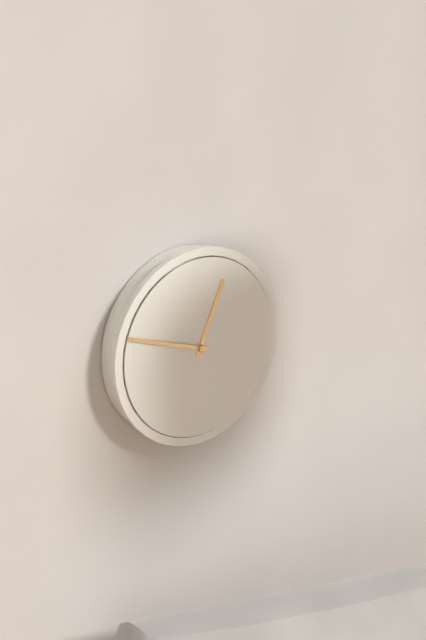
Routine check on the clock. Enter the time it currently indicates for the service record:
12:48
